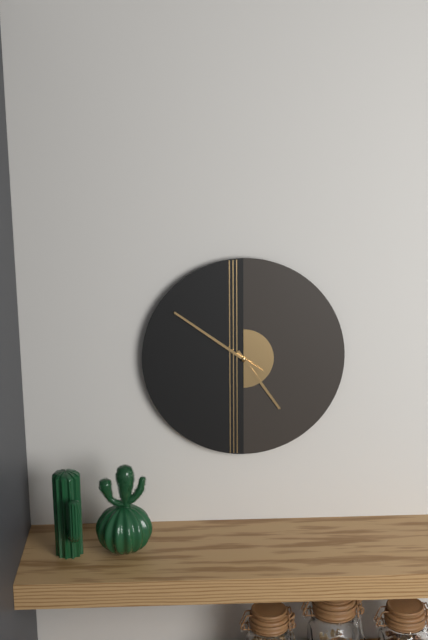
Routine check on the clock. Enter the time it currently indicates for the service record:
4:51
